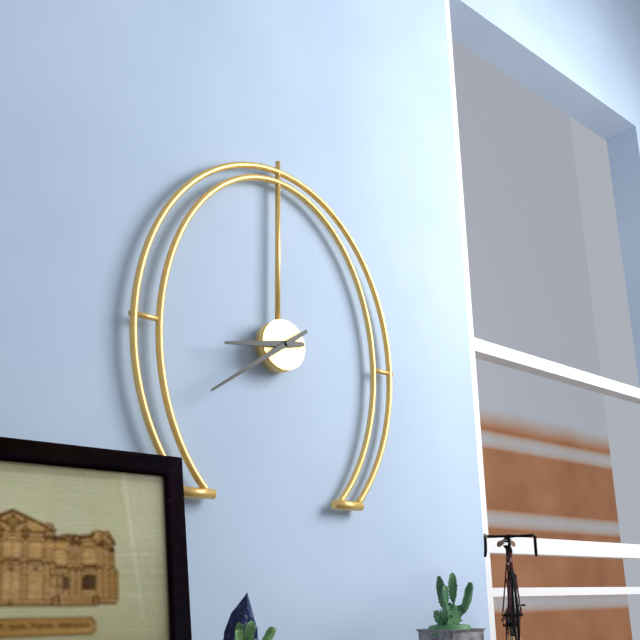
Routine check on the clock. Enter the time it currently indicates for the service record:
8:39
